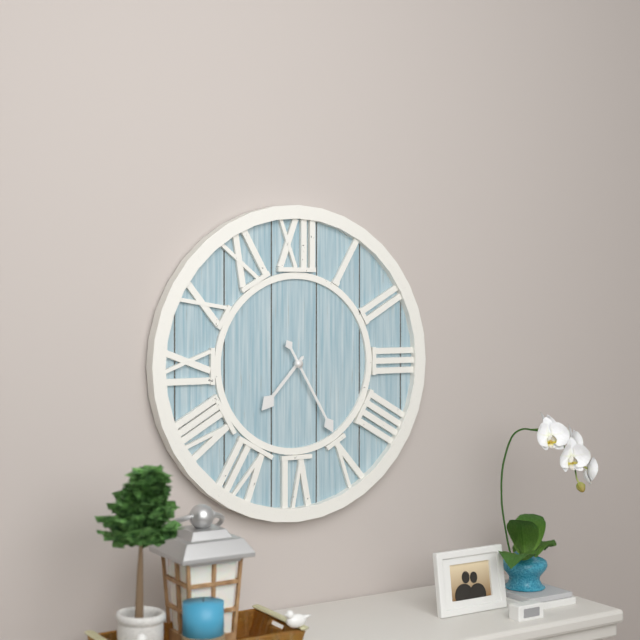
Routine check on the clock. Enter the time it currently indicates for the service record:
7:25
